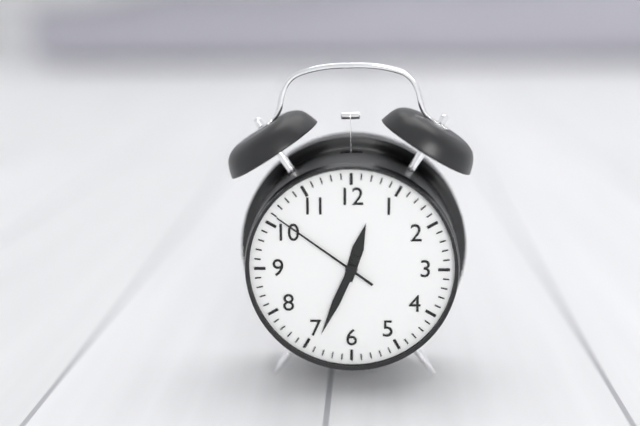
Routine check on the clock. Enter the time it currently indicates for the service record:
12:34:51
